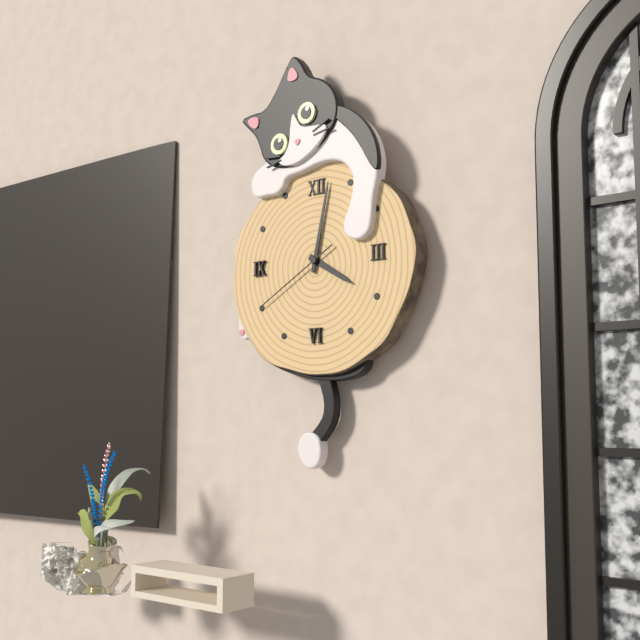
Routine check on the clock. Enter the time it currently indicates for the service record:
4:02:40
